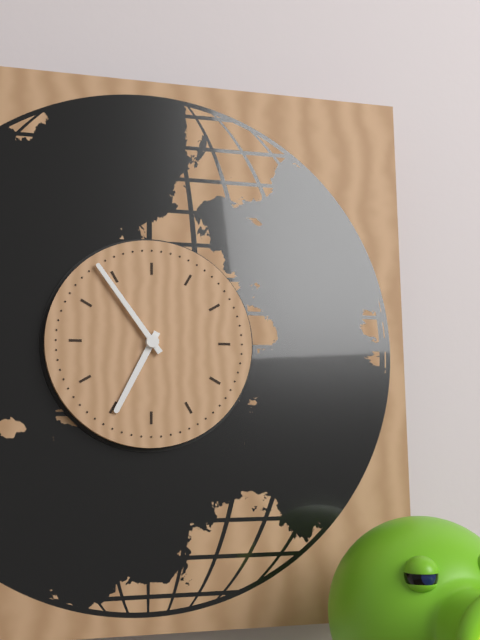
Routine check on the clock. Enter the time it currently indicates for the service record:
6:54
